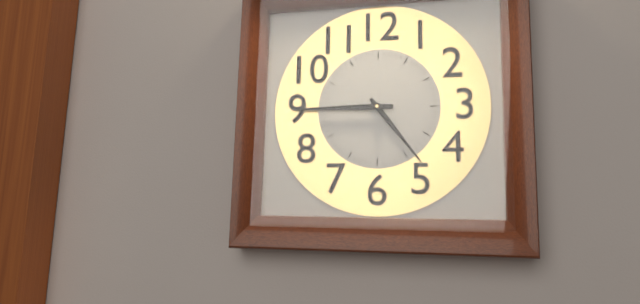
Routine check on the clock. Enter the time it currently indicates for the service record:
4:45
